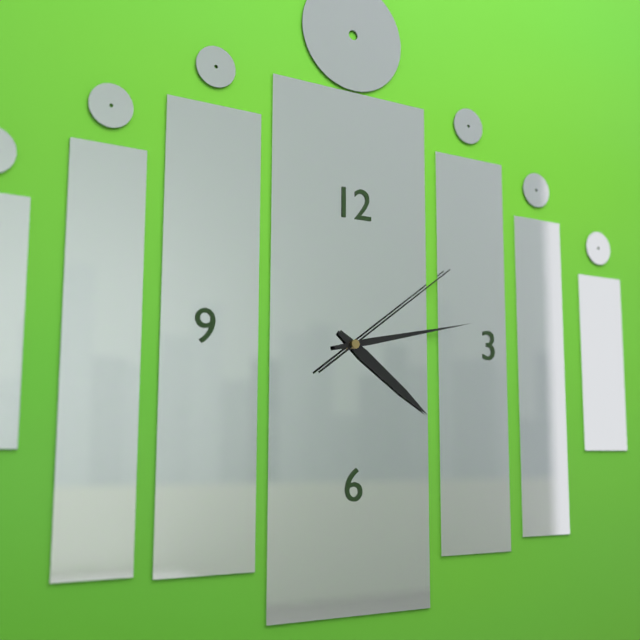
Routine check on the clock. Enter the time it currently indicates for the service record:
4:13:09
